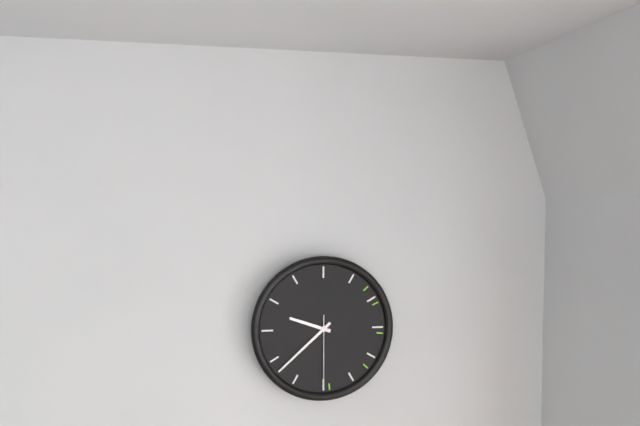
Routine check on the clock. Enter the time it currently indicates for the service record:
9:38:30
